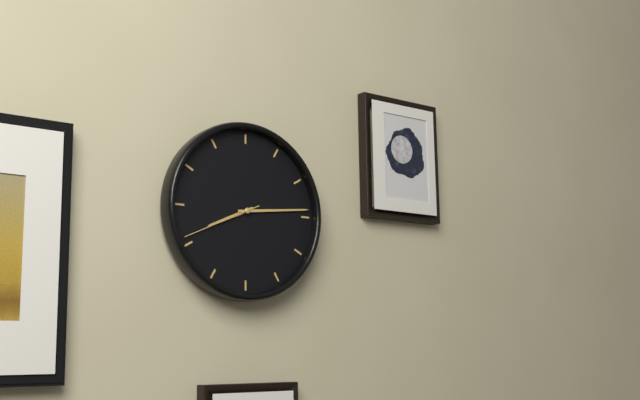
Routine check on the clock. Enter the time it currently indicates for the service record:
8:14:41
